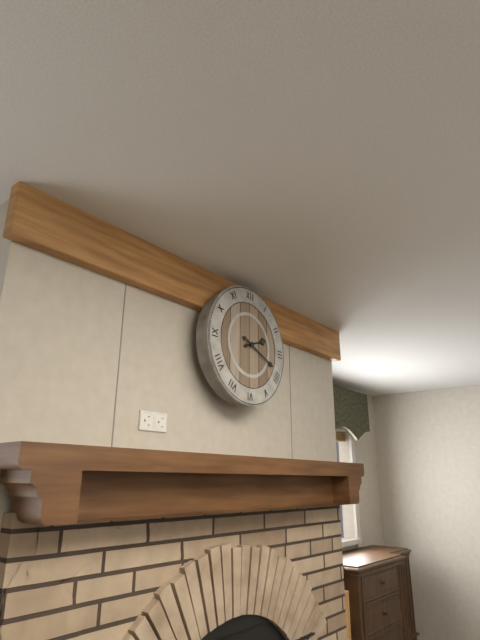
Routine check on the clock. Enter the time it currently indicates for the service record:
2:19
